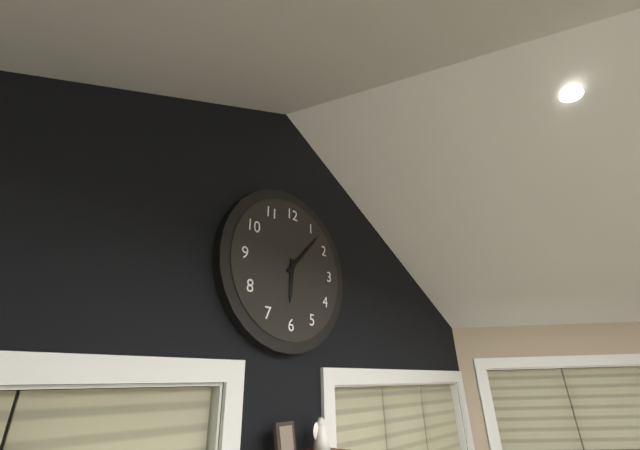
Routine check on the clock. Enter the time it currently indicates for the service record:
6:07
